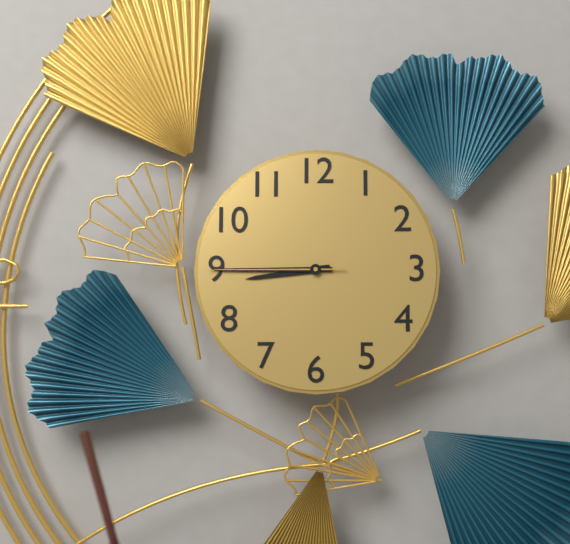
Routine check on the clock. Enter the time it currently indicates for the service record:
8:45:45
